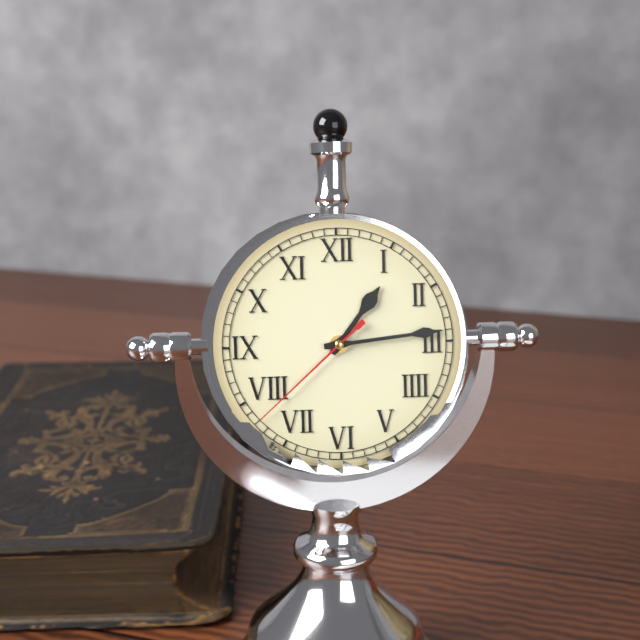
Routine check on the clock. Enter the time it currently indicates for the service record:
1:14:38
